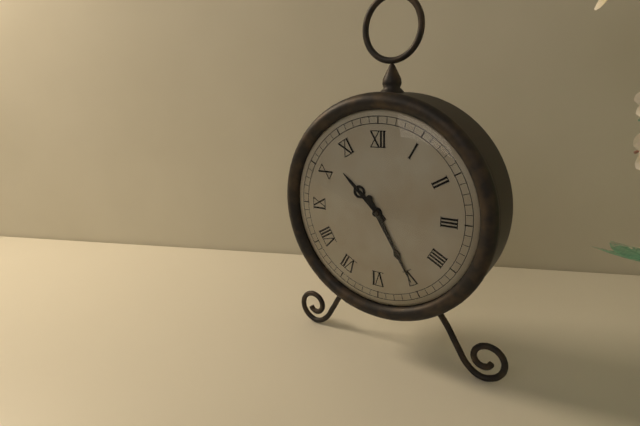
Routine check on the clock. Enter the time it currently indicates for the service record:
10:25
